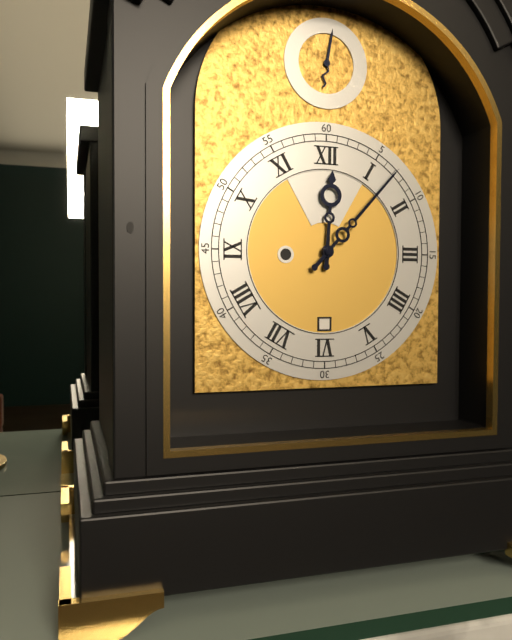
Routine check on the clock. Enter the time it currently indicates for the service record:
12:07
